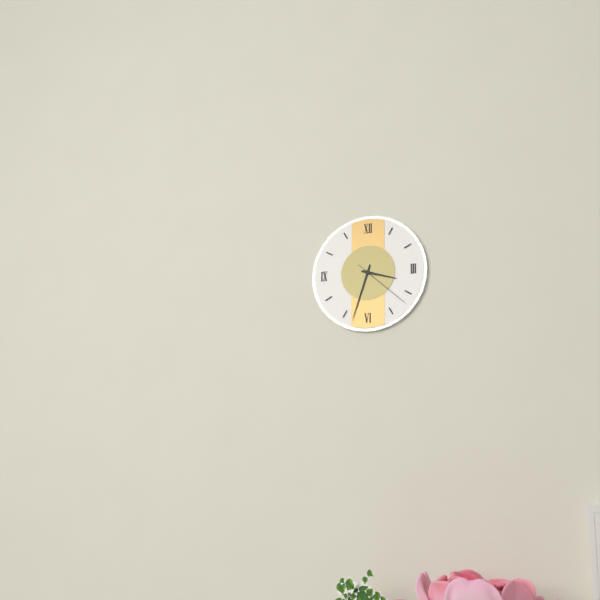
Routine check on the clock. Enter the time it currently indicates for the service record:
3:33:22
